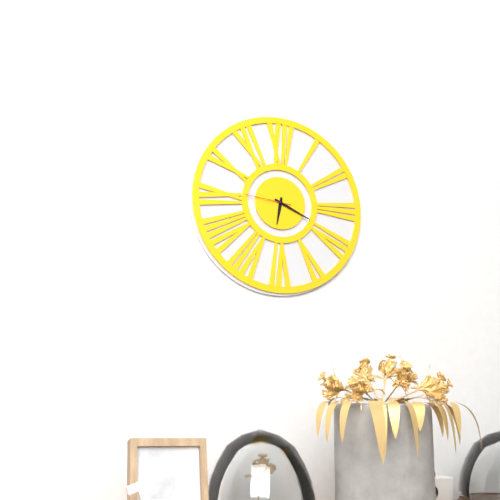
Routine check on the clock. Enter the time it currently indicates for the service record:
6:19
